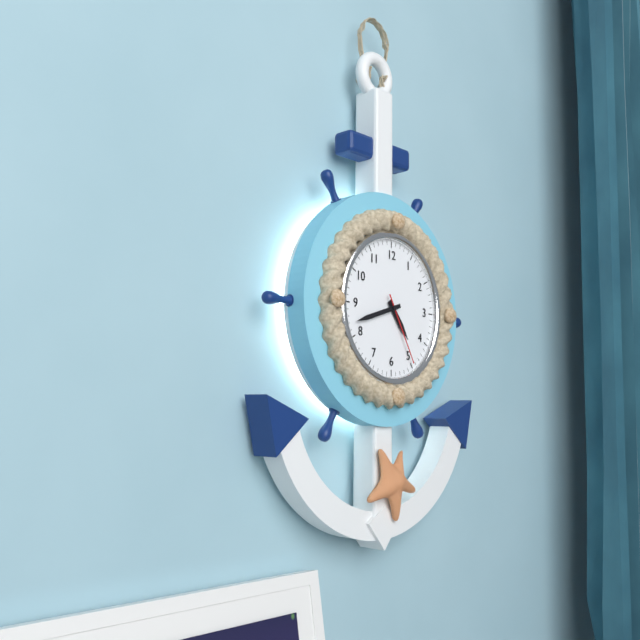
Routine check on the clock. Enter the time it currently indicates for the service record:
4:42:25
